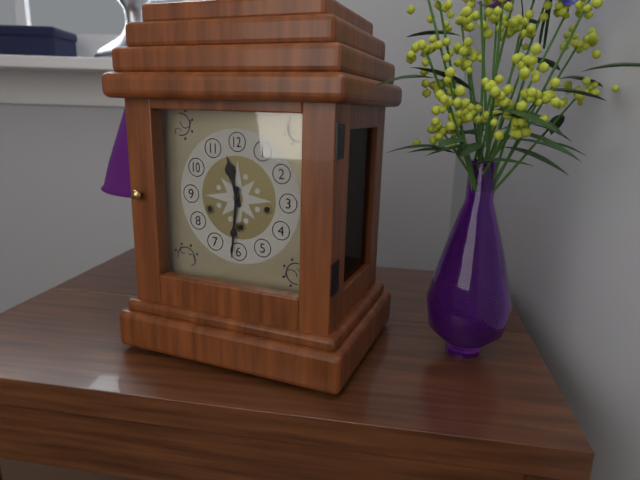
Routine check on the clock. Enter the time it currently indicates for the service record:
11:31
